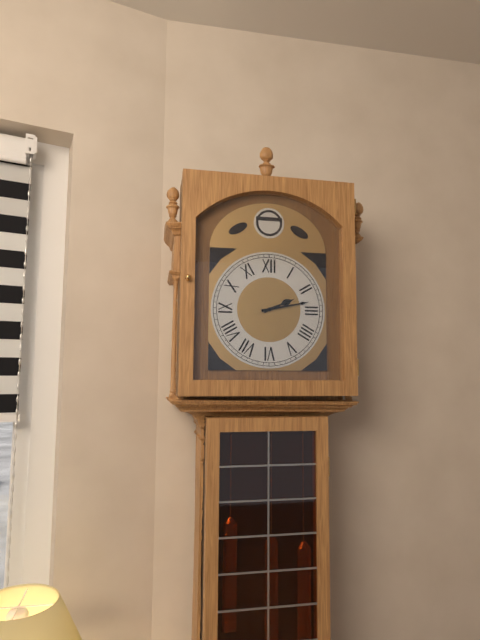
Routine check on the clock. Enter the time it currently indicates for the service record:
2:13
